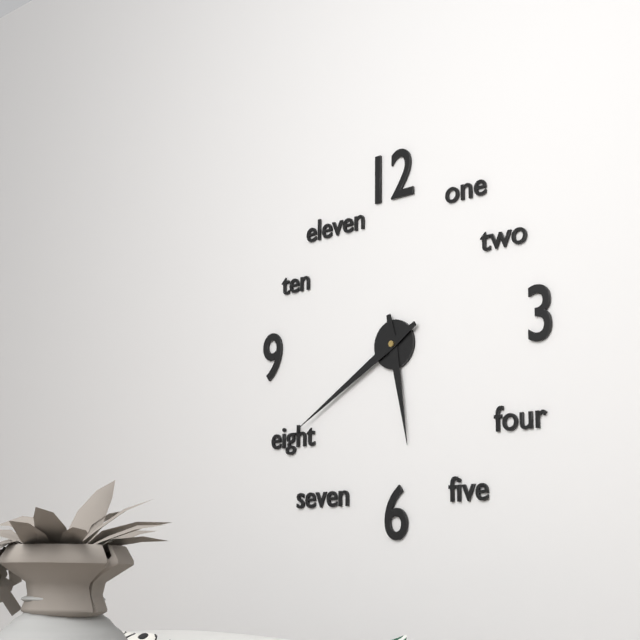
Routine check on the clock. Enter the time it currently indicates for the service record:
5:40
